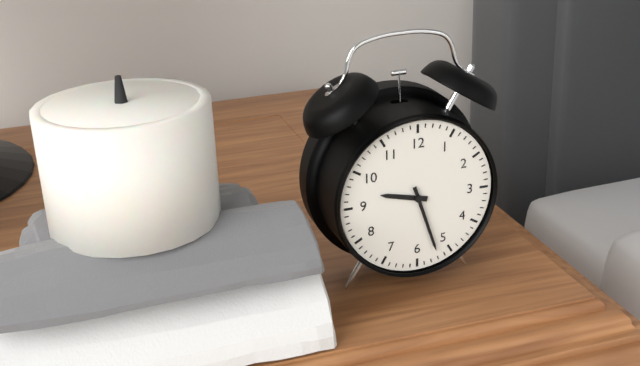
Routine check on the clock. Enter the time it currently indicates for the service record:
9:27
